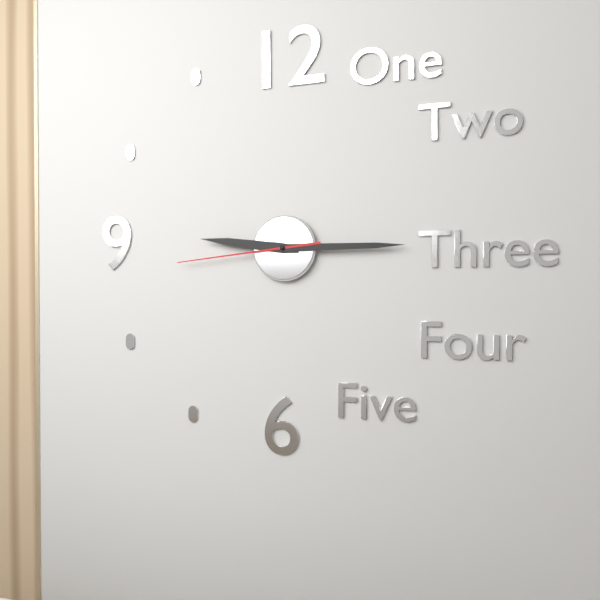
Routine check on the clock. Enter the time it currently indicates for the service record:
9:15:44
